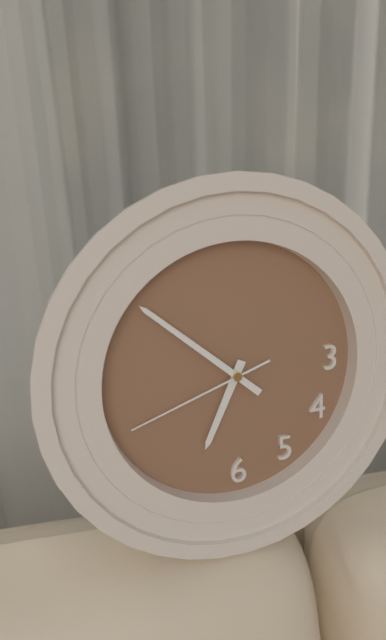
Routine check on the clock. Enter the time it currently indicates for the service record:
6:52:42
